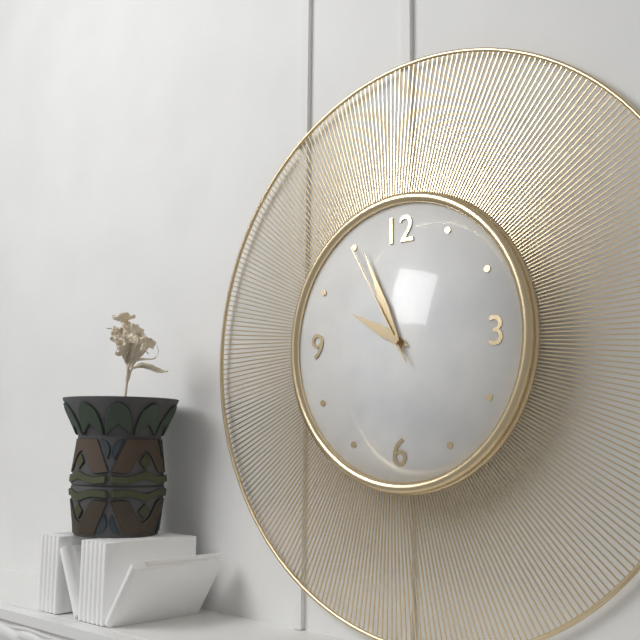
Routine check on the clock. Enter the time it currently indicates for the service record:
9:56:55
